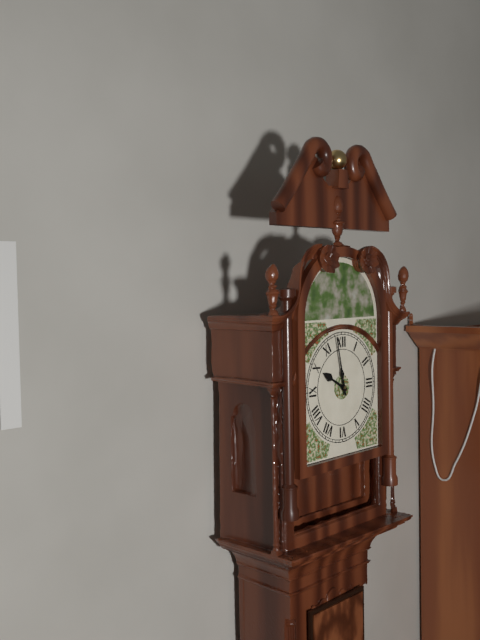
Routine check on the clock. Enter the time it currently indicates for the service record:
9:58
